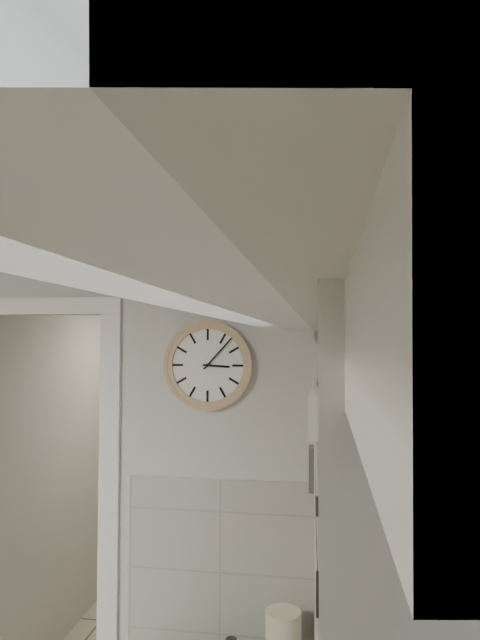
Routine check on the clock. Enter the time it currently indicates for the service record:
3:07
